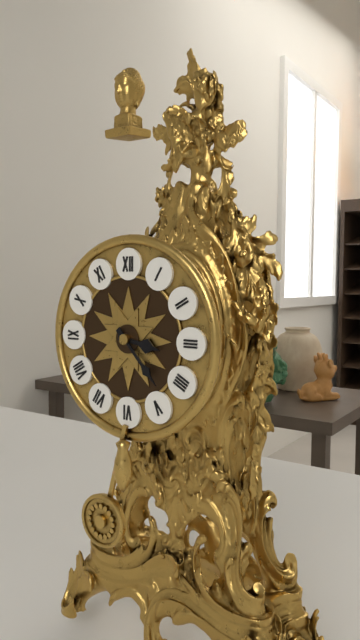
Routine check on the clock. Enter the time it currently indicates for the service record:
3:23
